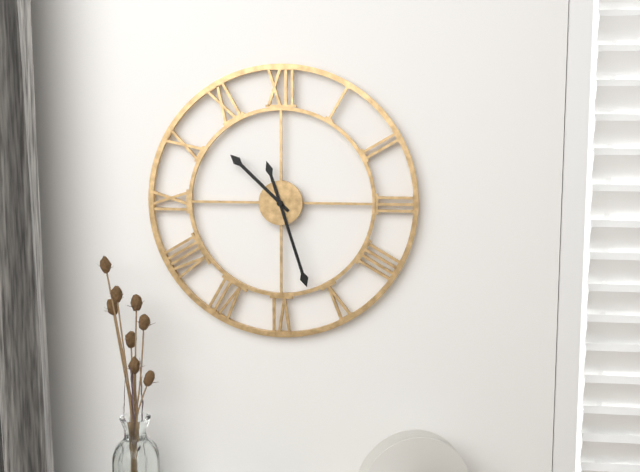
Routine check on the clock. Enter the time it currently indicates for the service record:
10:27
